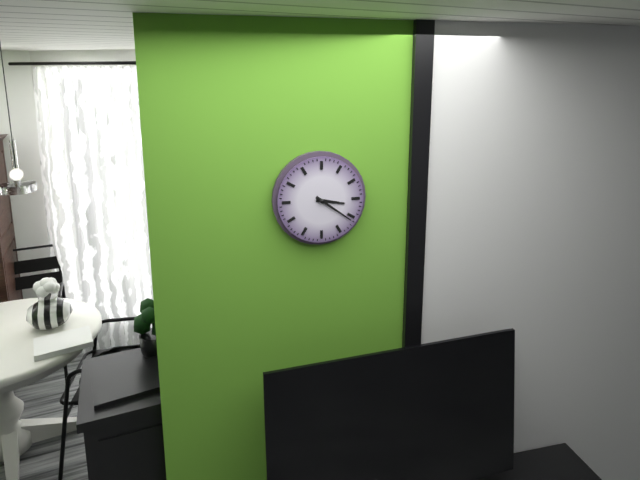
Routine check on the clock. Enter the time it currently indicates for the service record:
3:21
